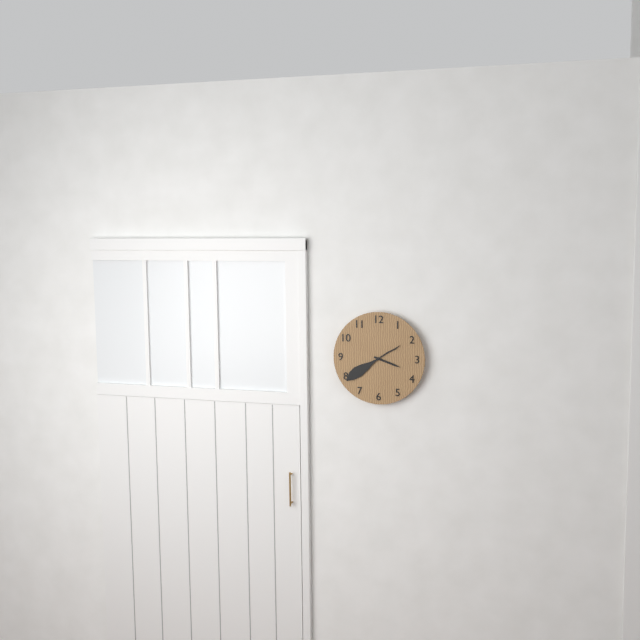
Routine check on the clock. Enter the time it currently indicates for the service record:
3:39
